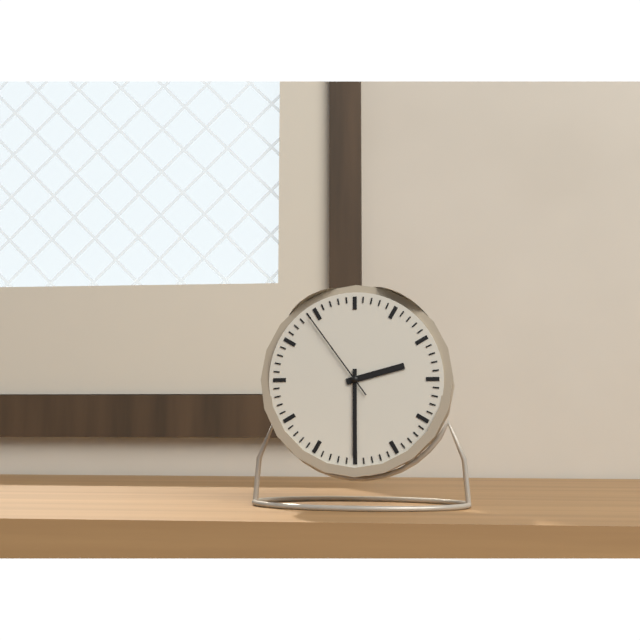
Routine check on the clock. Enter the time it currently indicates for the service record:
2:30:54
